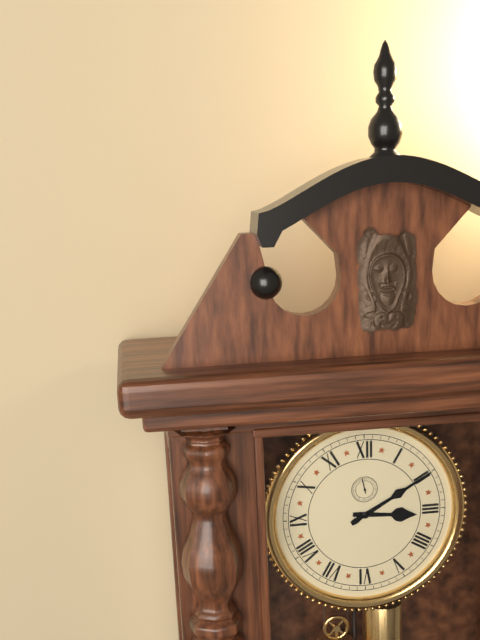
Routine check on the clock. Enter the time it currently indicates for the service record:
3:10
